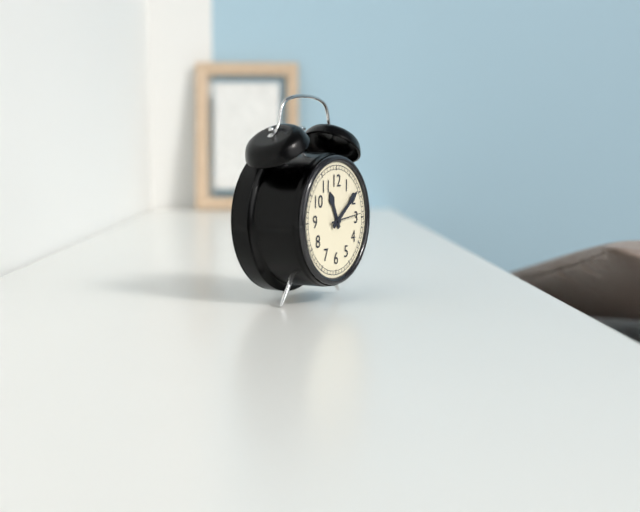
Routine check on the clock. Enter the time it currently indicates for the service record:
11:09:14
